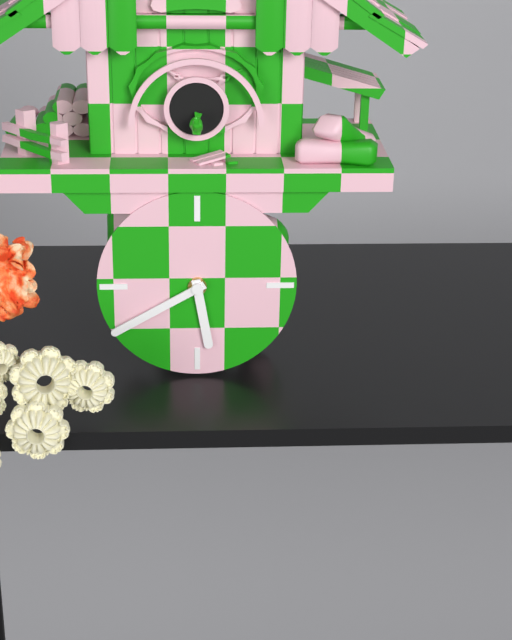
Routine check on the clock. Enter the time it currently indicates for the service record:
5:40
